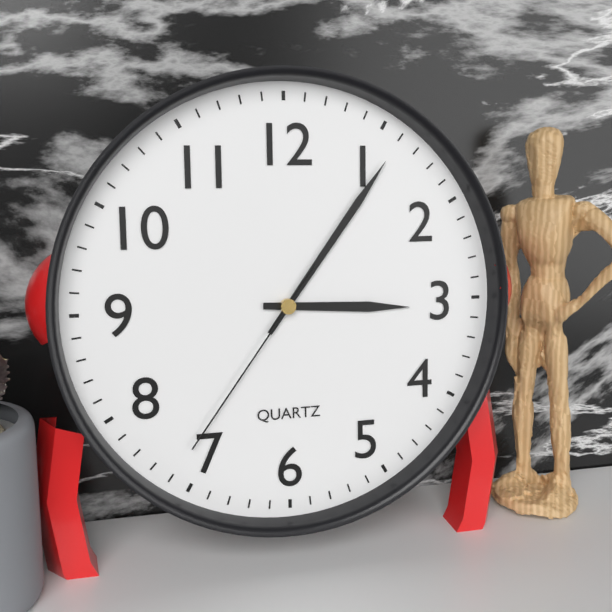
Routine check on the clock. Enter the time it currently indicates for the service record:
3:06:36
